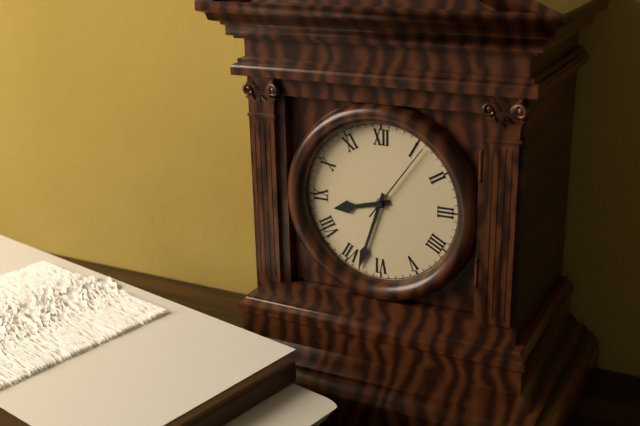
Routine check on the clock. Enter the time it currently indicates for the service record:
8:33:06
